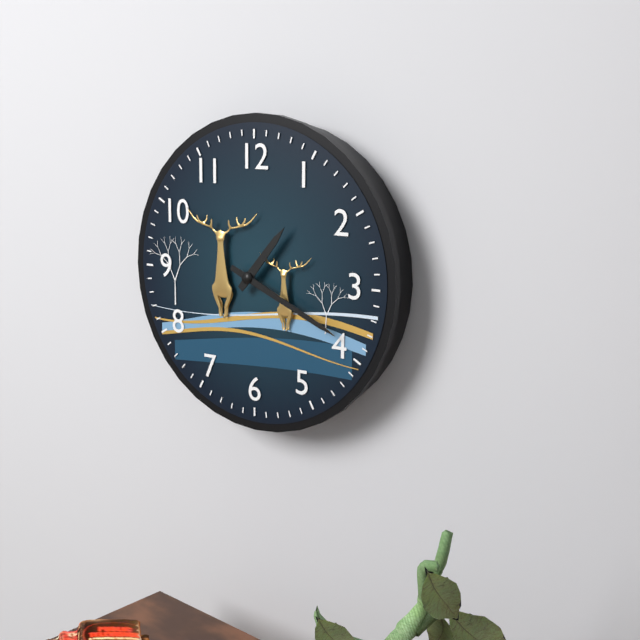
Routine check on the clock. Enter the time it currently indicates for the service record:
1:19
